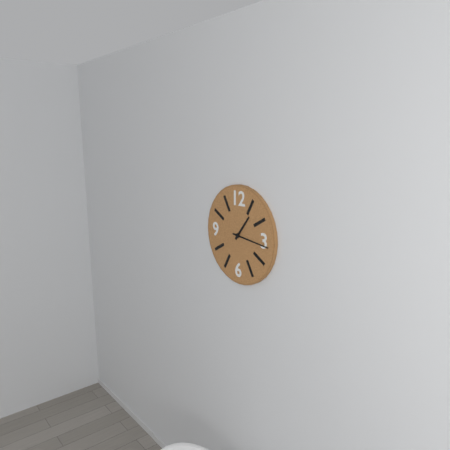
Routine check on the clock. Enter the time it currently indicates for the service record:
1:16
